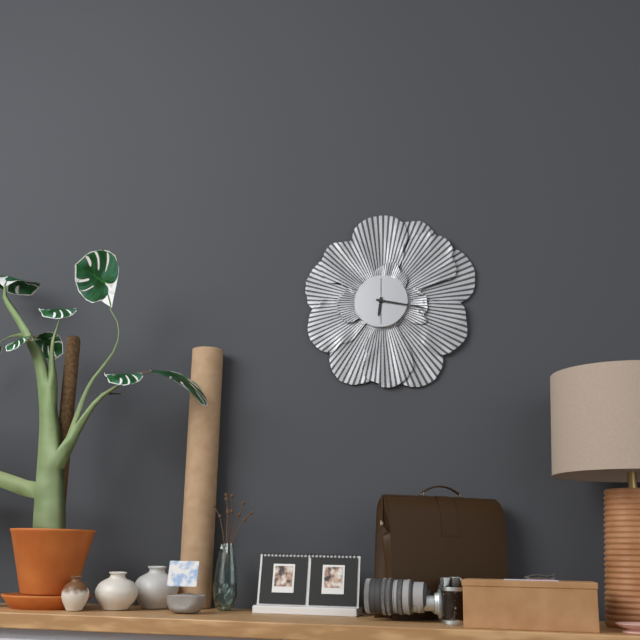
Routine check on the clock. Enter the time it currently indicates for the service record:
6:17
